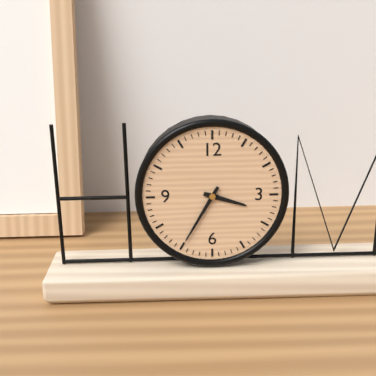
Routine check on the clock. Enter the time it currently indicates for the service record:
3:35
